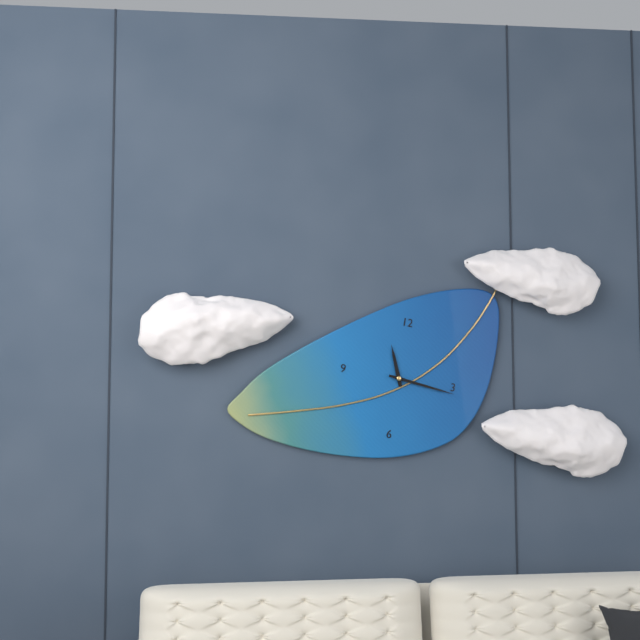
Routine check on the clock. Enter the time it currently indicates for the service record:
11:16
